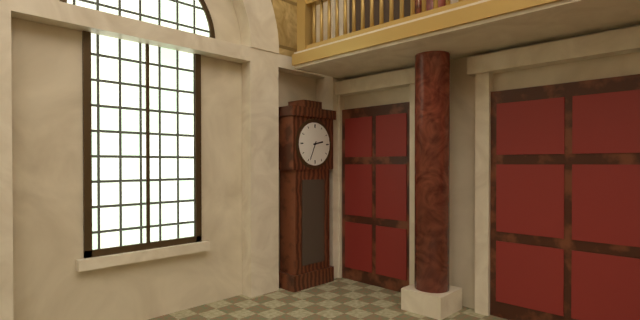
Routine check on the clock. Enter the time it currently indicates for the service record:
2:34
